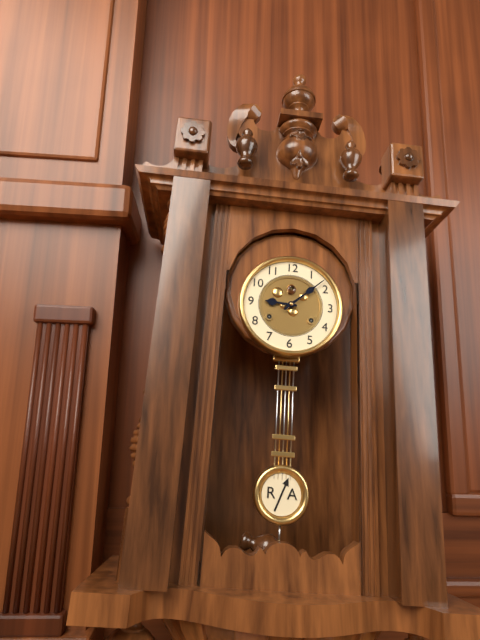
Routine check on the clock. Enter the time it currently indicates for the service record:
9:08
